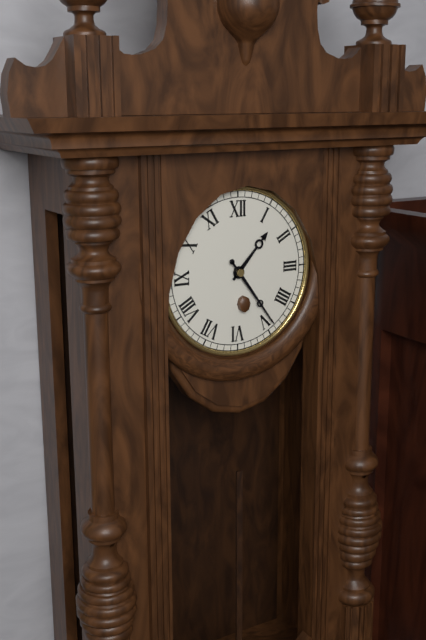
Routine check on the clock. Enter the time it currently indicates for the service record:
1:24
